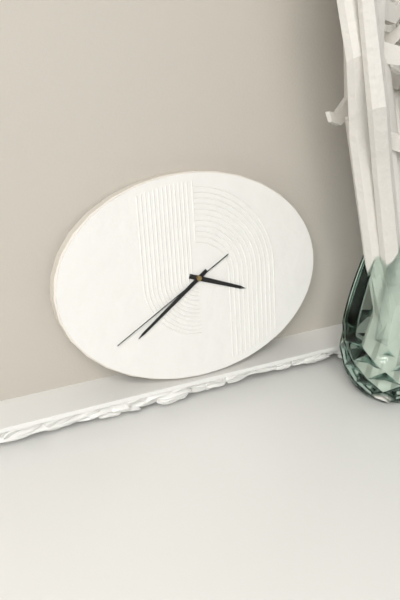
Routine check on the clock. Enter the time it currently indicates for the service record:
3:39:40
